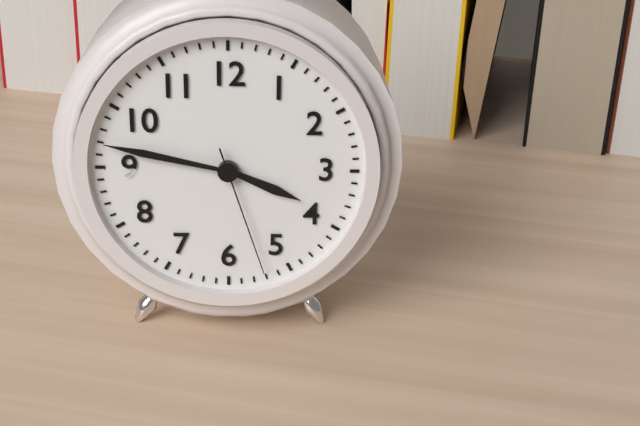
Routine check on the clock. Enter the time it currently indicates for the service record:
3:47:27
